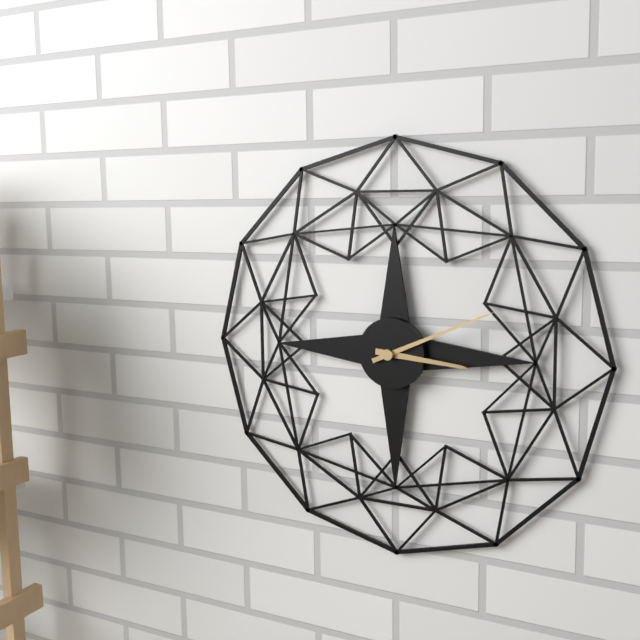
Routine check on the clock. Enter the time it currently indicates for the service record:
3:11
